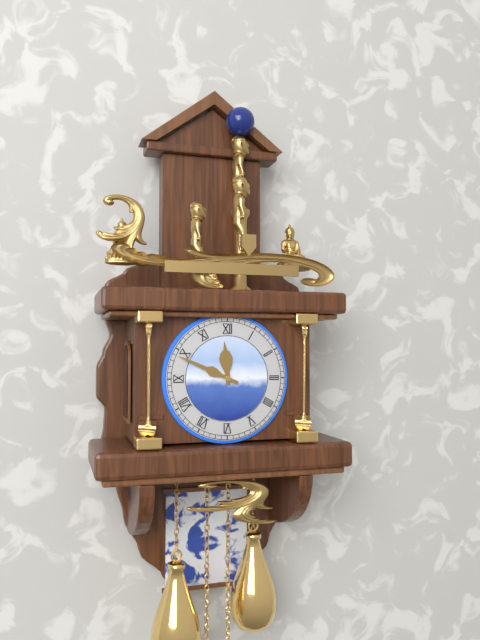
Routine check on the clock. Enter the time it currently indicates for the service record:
11:49
